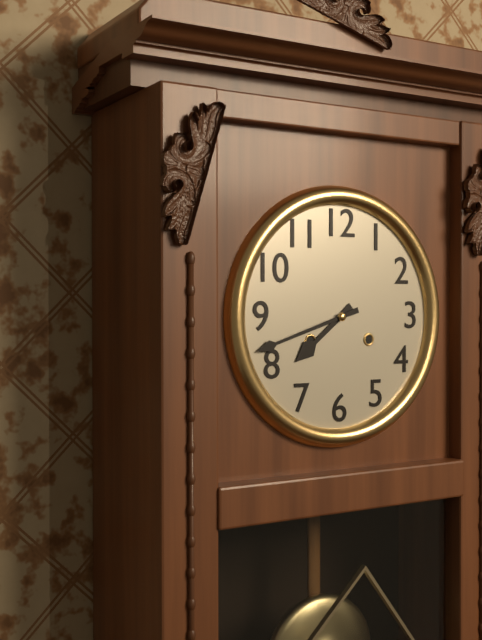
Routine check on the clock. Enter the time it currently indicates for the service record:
7:42
